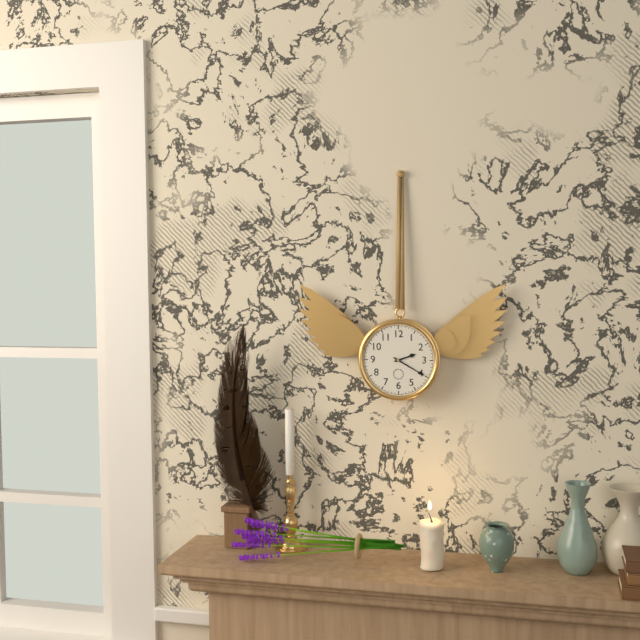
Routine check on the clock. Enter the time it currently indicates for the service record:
2:20
